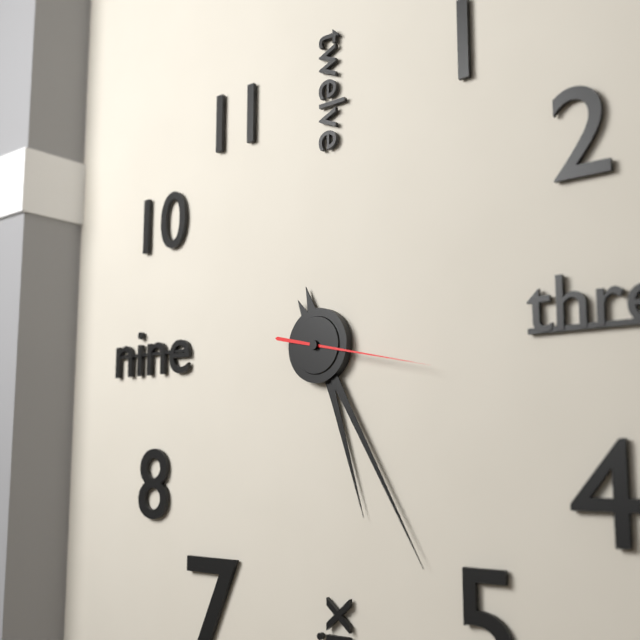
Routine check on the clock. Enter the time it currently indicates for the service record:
5:25:17
